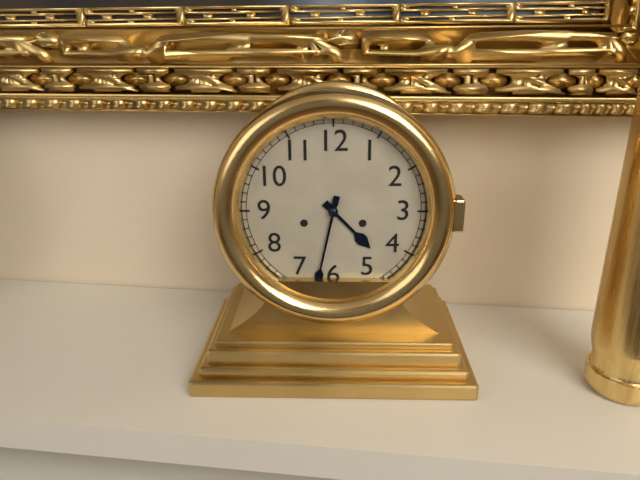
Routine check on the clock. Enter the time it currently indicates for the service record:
4:32
